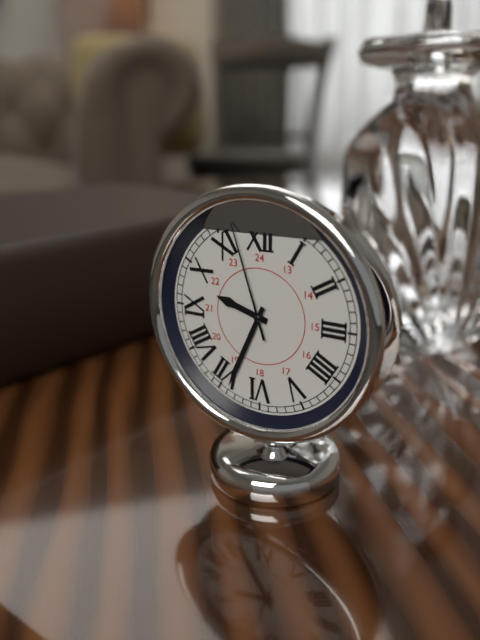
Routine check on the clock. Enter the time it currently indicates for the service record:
9:34:57
